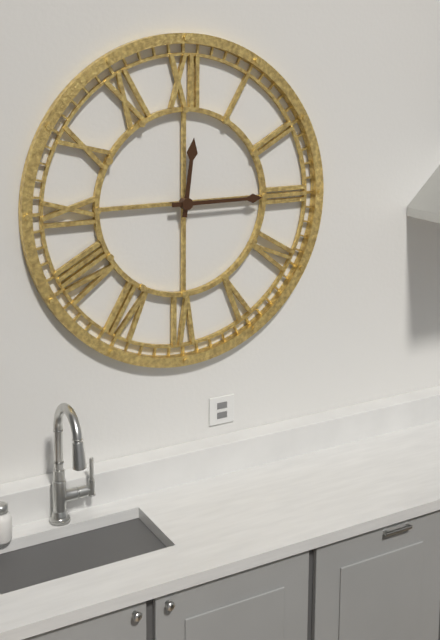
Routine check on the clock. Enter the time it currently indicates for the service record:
12:15
